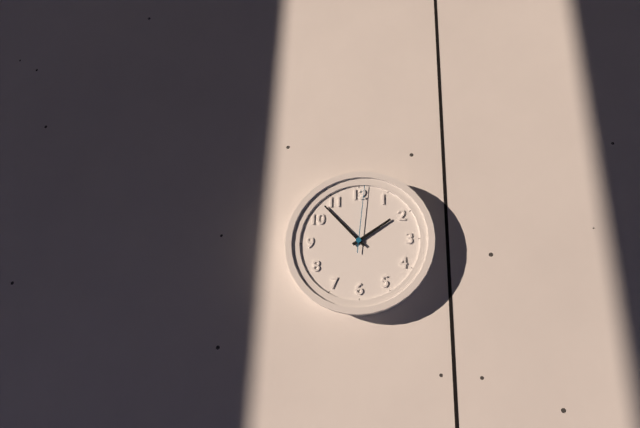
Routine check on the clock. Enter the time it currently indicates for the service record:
1:53:01
